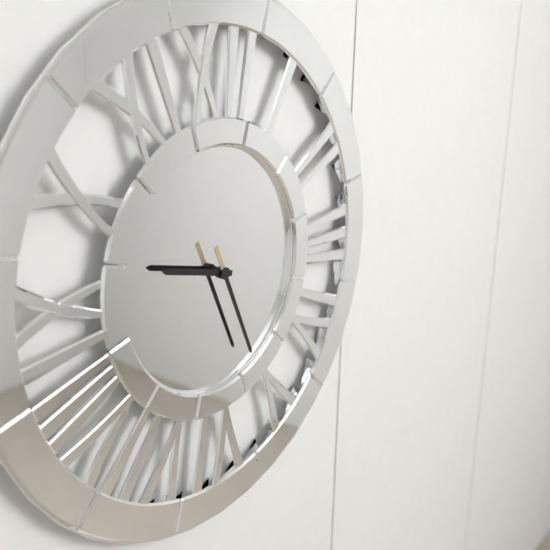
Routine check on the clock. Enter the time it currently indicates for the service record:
9:26
